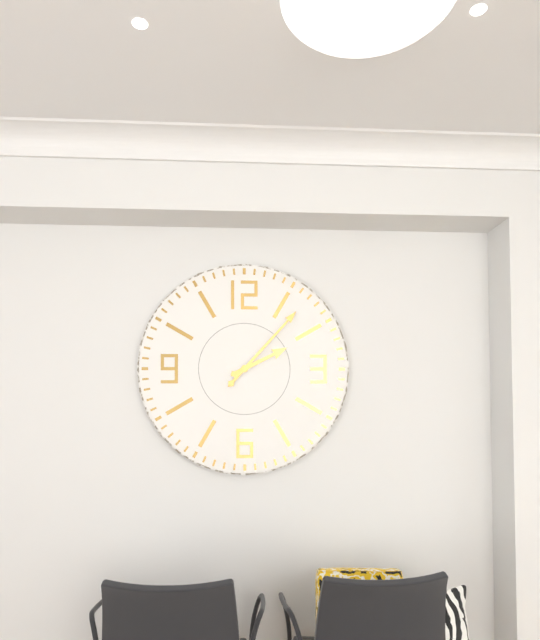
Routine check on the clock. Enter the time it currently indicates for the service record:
2:07
